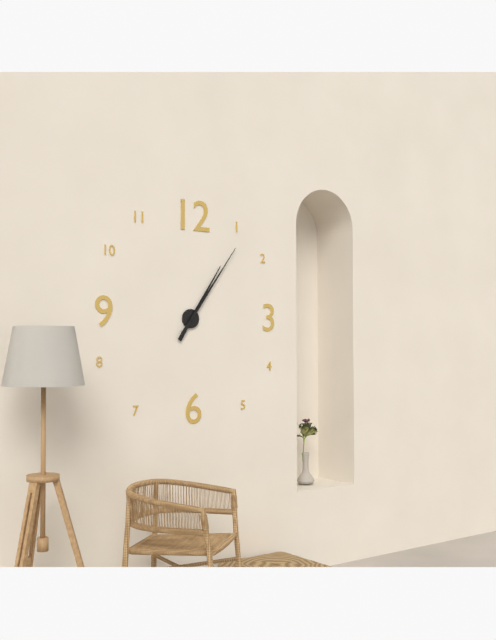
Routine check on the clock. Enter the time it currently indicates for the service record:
1:06
